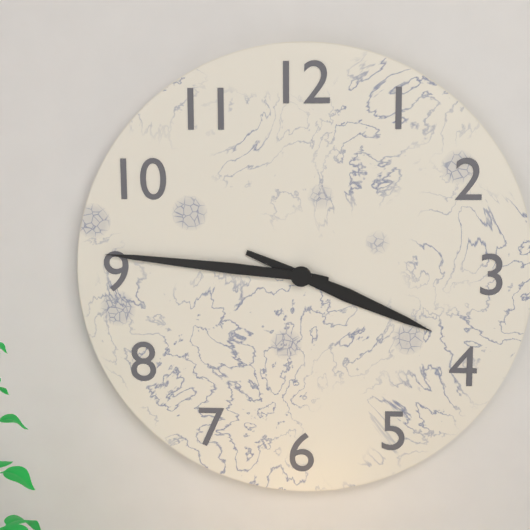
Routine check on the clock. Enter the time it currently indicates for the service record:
3:46
